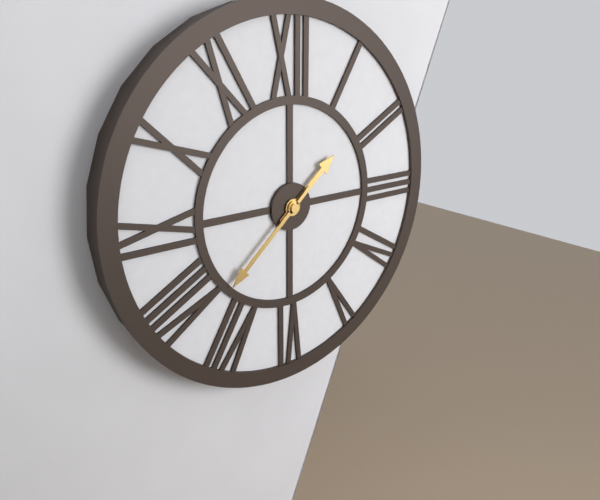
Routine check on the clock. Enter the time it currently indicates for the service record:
1:38
